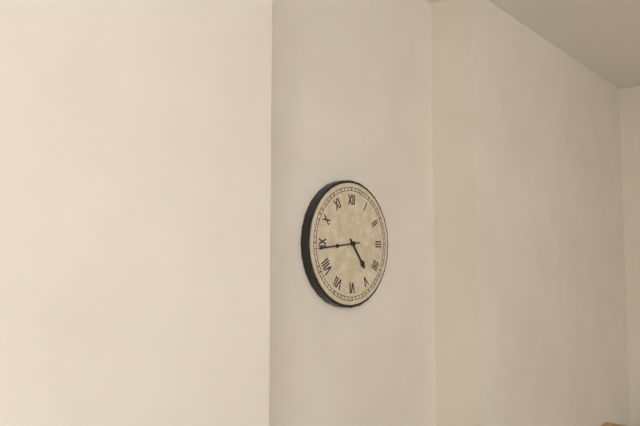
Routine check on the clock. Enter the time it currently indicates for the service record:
4:44
